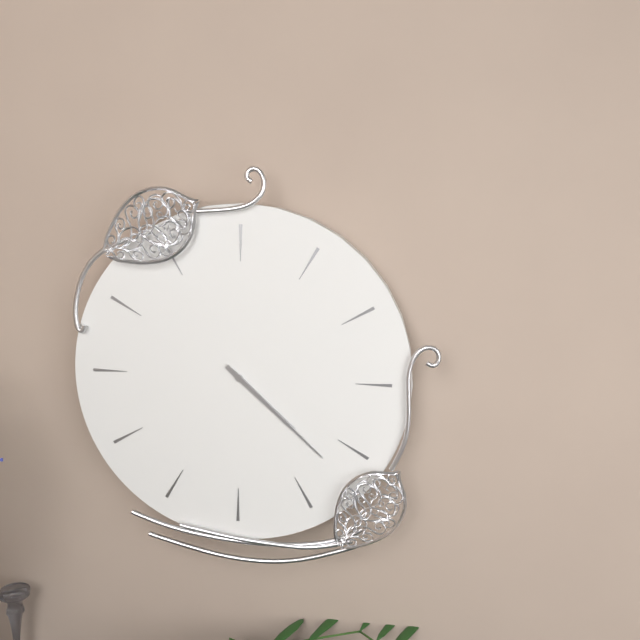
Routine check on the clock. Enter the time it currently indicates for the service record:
4:22
